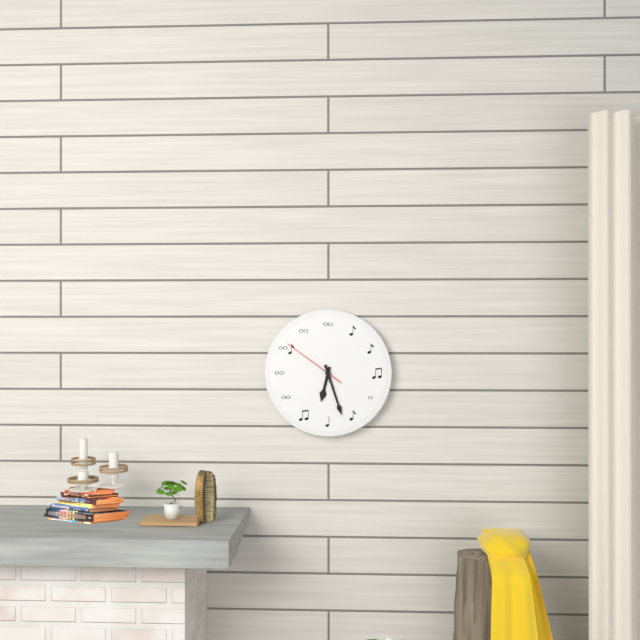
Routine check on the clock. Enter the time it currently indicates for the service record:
6:27:51
